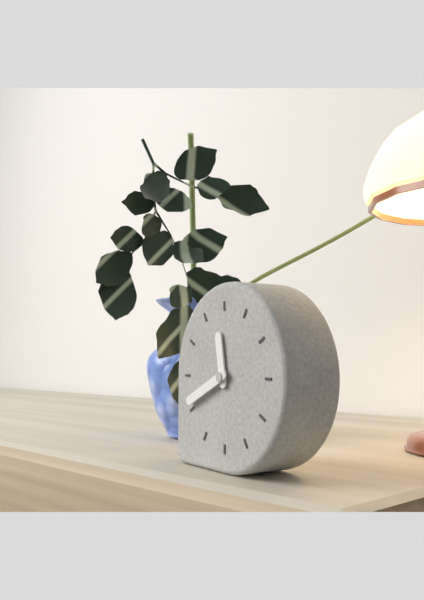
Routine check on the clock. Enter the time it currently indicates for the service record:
11:41
